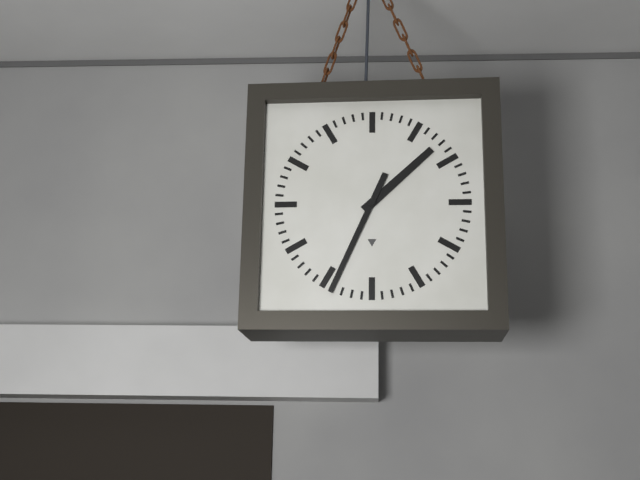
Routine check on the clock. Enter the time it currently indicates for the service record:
1:34
